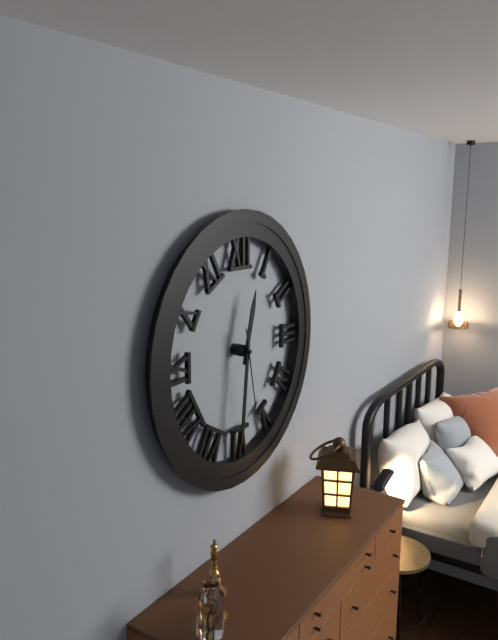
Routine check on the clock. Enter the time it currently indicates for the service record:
12:31:28
